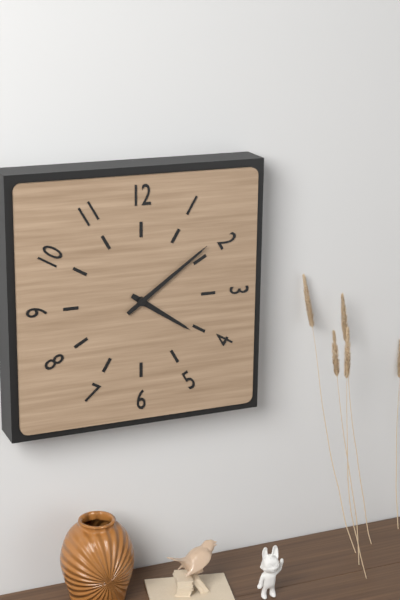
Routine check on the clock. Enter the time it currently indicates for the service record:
4:09
